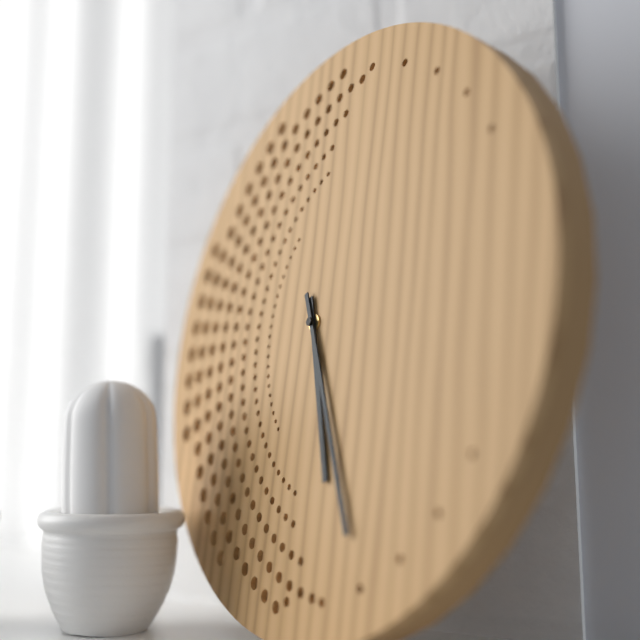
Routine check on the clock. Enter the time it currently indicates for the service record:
5:26
